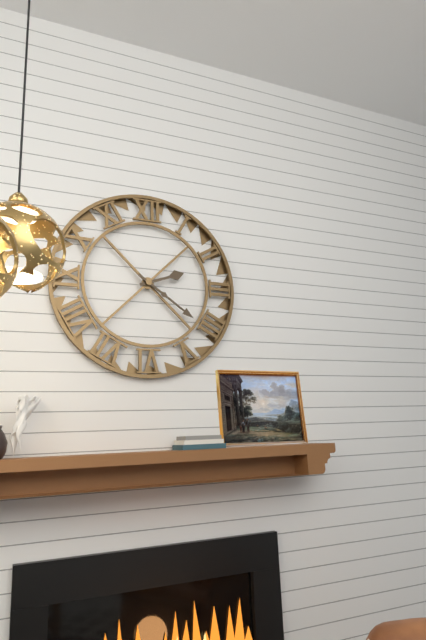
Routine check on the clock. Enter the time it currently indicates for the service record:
2:21
